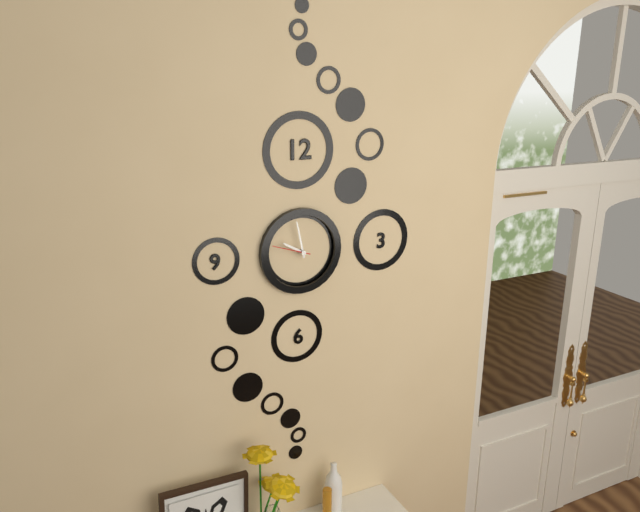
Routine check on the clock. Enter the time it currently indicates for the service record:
9:58
